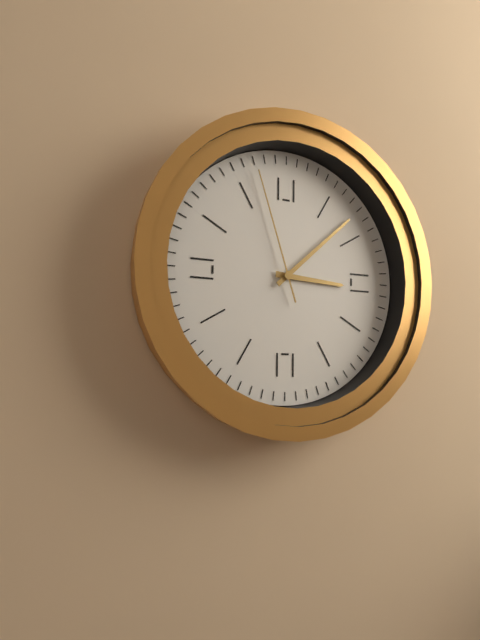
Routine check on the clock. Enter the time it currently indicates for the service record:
3:08:57
